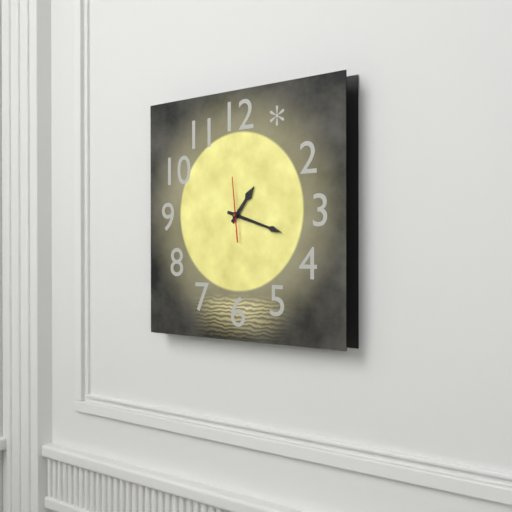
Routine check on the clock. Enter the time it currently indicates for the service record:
1:18
